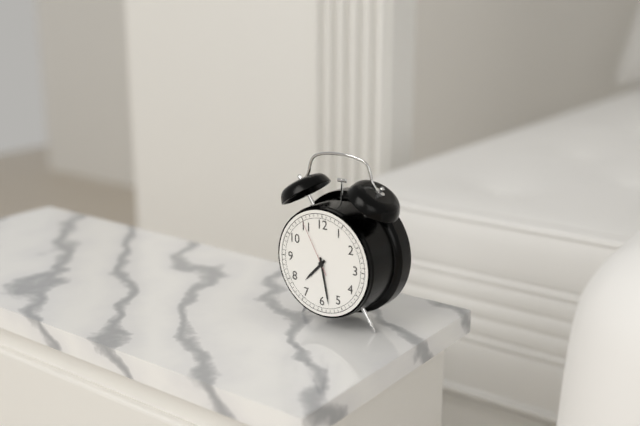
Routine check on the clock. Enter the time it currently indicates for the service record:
7:28:55
